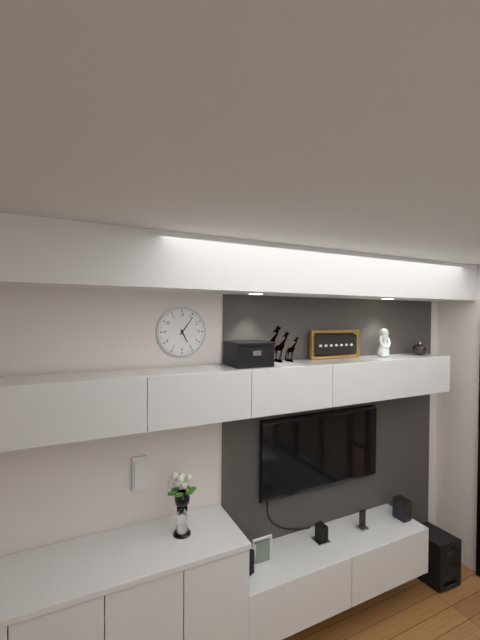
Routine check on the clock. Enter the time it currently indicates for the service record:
5:06
